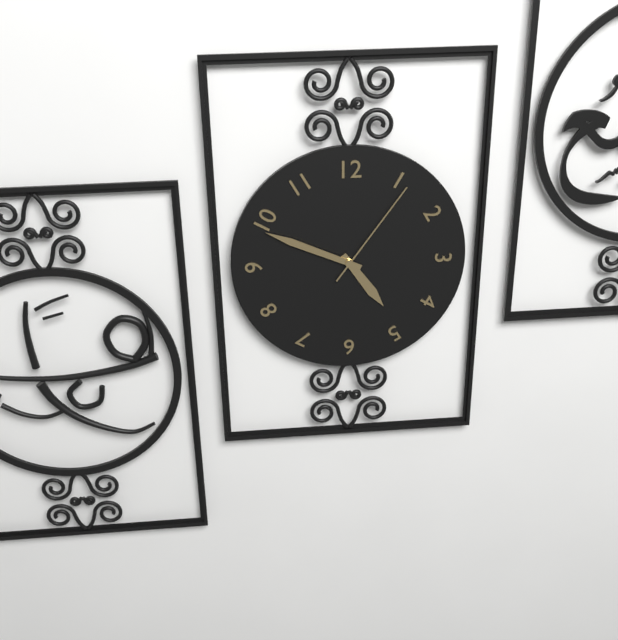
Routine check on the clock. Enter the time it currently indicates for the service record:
4:49:06
